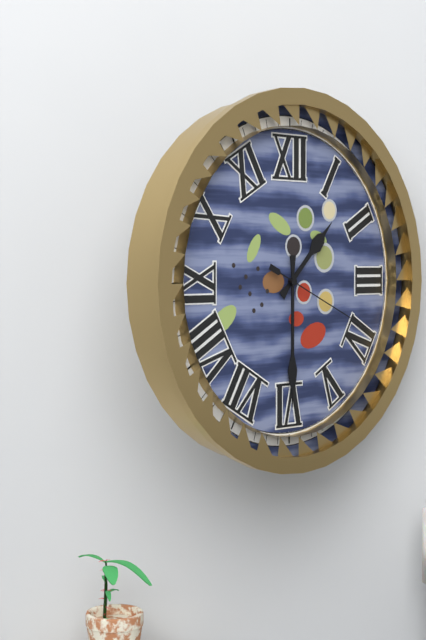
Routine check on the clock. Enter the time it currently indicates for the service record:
1:30:19
